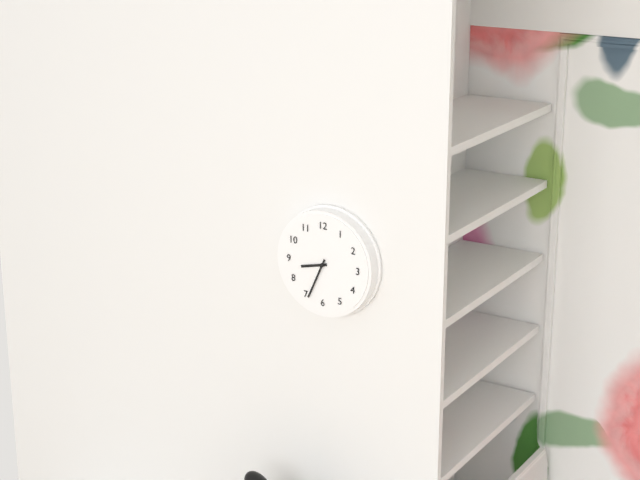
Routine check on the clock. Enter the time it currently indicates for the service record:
8:34
